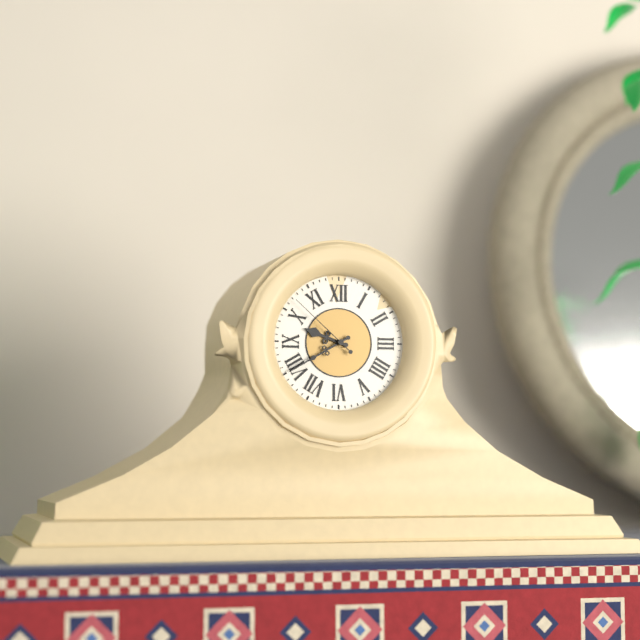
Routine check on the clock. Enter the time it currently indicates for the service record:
9:40:52
